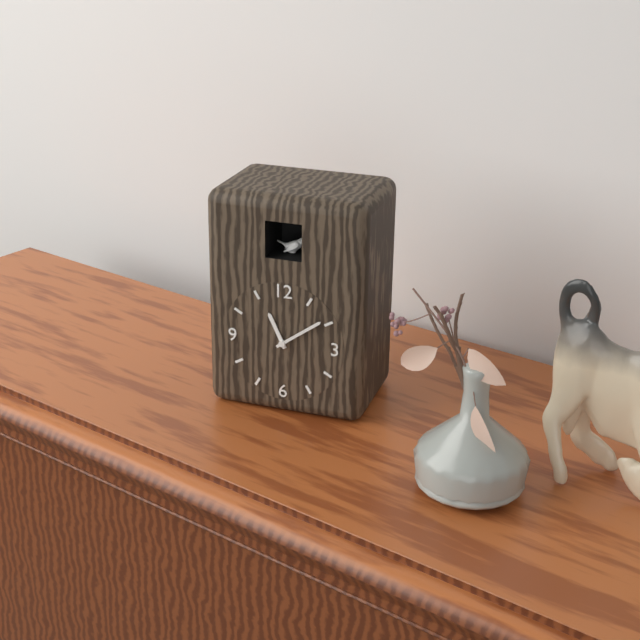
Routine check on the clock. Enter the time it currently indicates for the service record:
11:09
